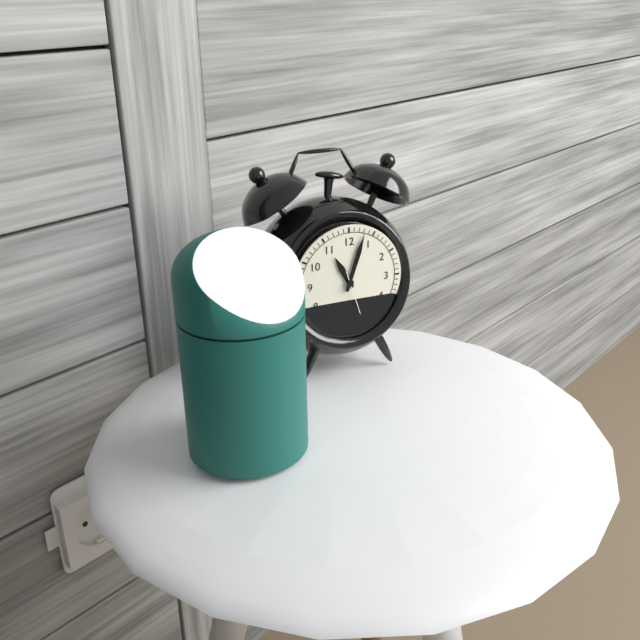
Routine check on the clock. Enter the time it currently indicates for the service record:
11:03:27
